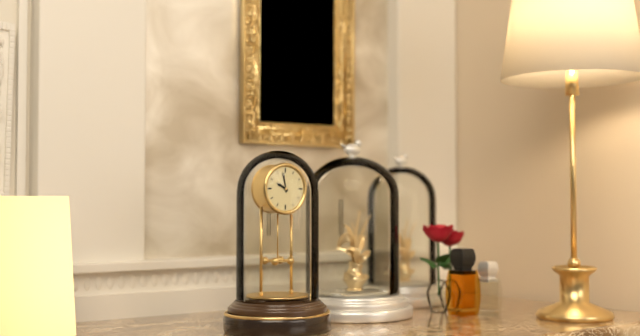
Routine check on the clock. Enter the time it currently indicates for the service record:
9:58
